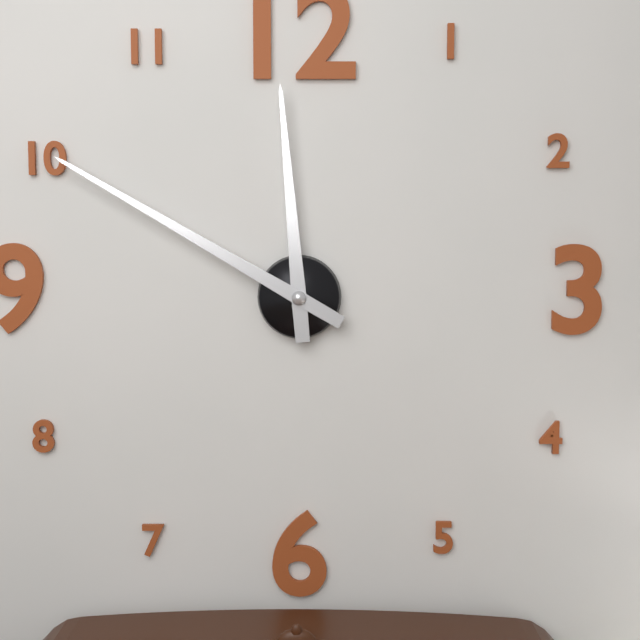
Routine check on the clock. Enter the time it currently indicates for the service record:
11:50
